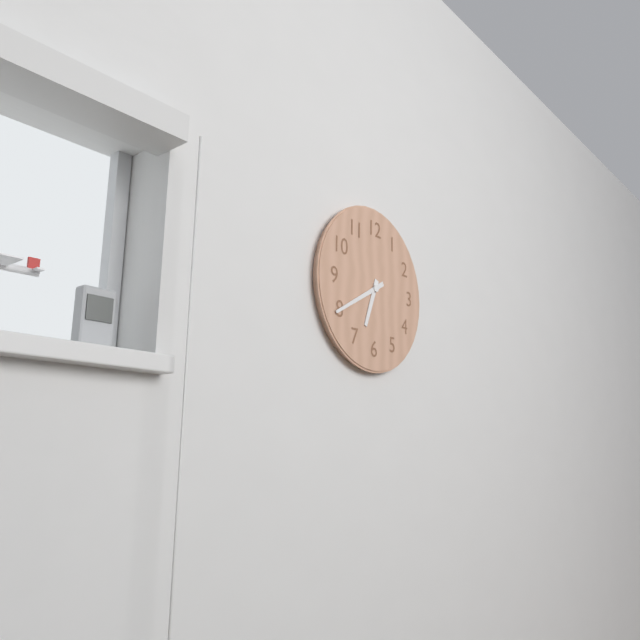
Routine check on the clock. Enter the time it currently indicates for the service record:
6:40
